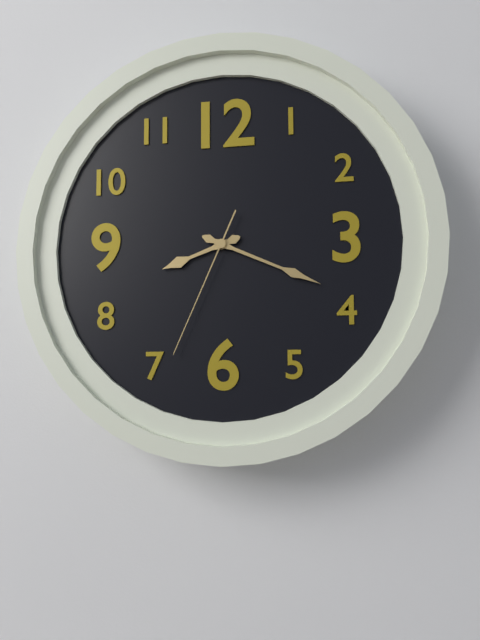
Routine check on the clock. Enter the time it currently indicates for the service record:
8:19:34
